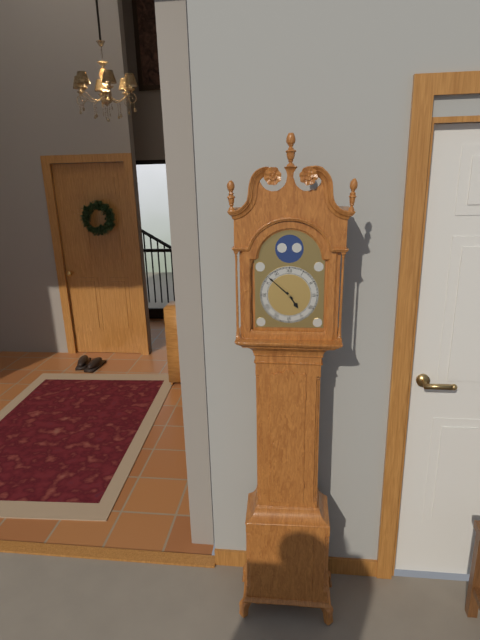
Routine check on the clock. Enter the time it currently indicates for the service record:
4:52
